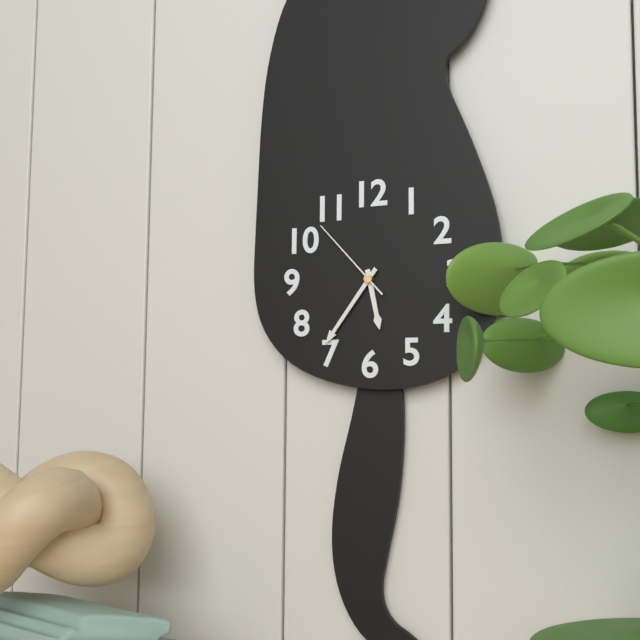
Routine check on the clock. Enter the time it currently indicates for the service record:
5:36:53
